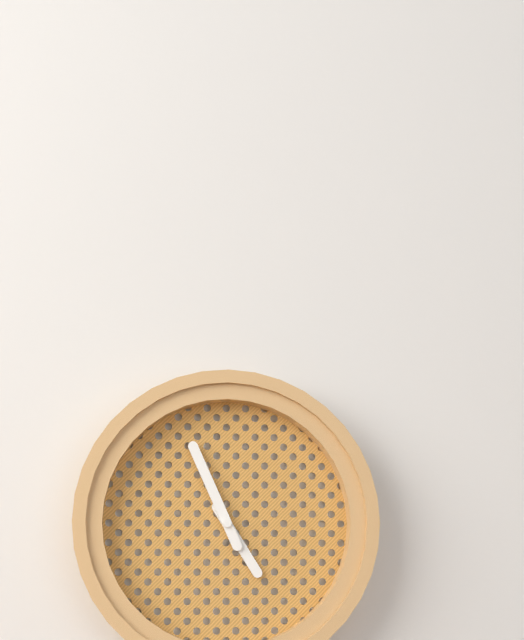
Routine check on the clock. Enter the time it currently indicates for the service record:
4:56
